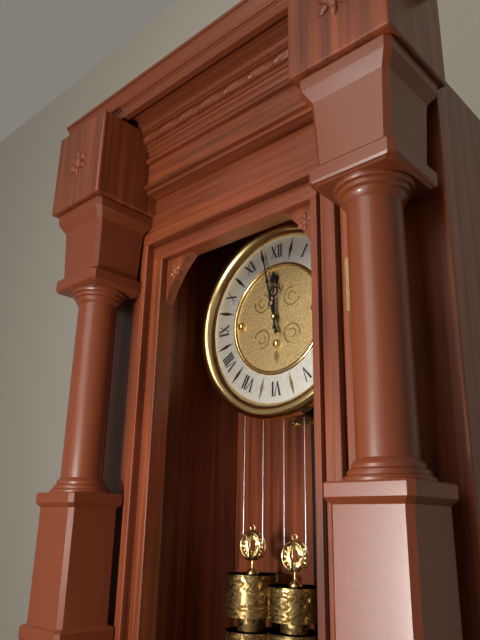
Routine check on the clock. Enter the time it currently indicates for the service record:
11:58
